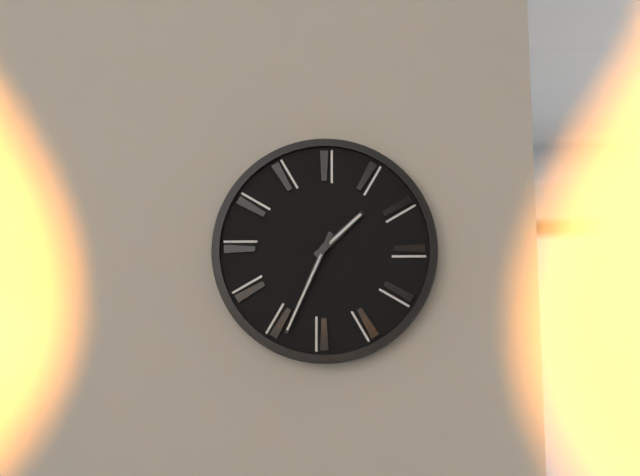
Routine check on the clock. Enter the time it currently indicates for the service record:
1:34
